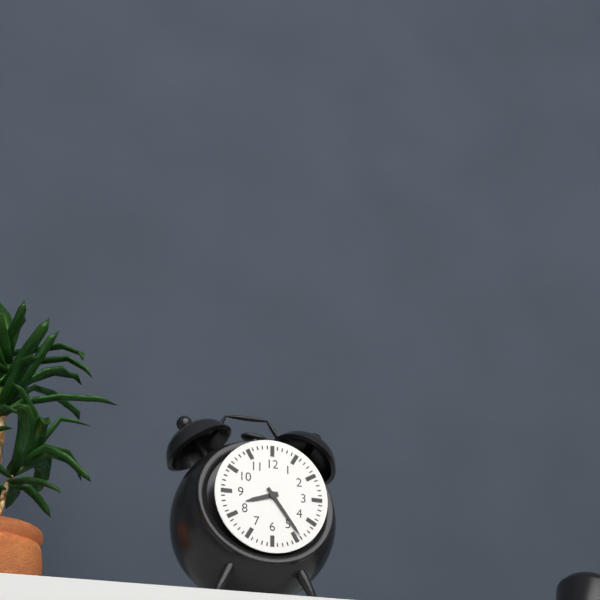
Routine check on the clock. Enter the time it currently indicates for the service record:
8:24
